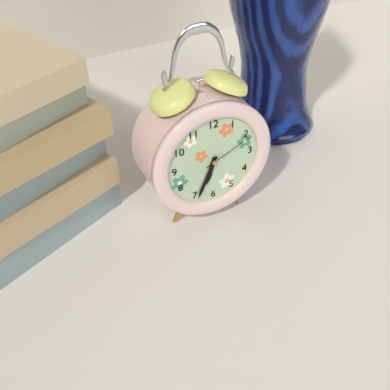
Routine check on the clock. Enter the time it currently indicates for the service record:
6:34:11
